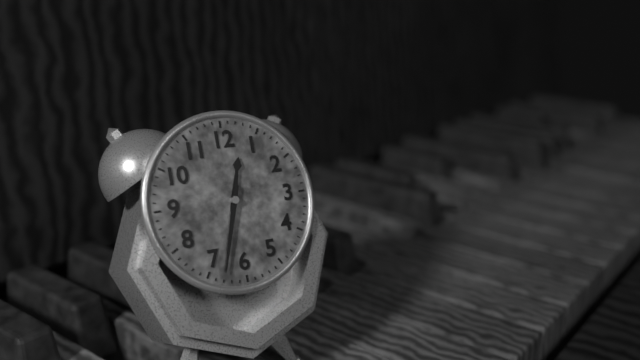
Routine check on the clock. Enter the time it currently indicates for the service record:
12:33
